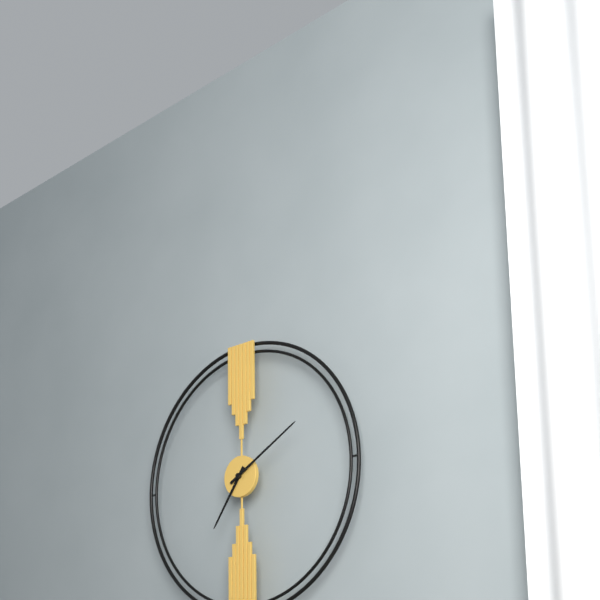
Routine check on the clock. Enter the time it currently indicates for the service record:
7:10
